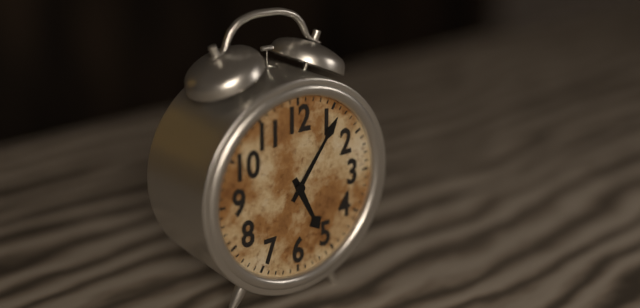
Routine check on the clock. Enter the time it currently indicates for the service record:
5:06
